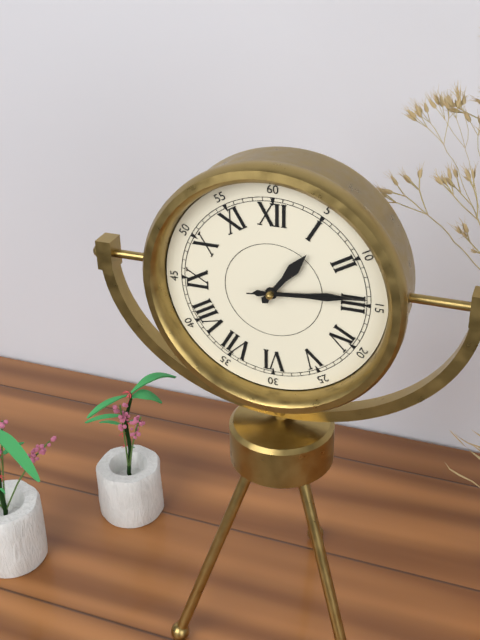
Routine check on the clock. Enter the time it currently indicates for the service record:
1:14:14
